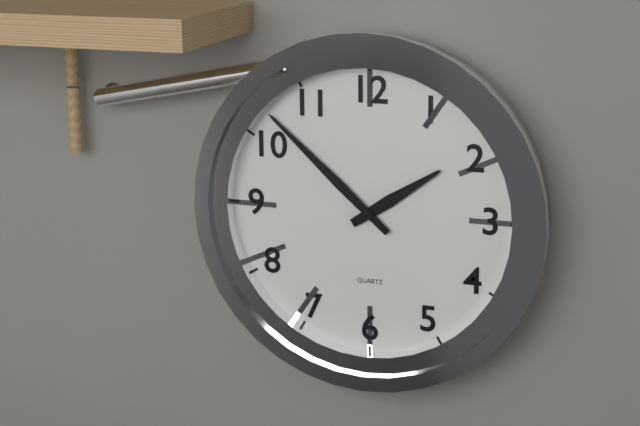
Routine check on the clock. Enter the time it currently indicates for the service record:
1:52
